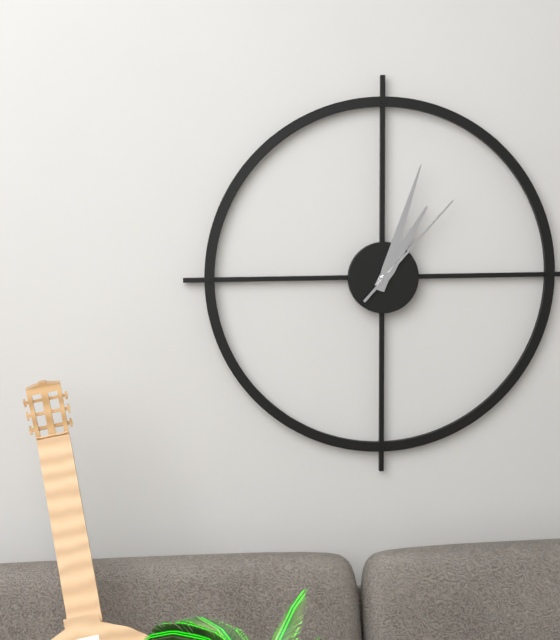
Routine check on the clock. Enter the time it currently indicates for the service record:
1:03:07
